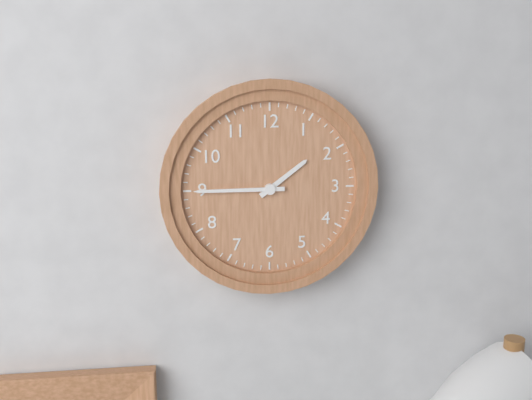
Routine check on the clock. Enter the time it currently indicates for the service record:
1:45
